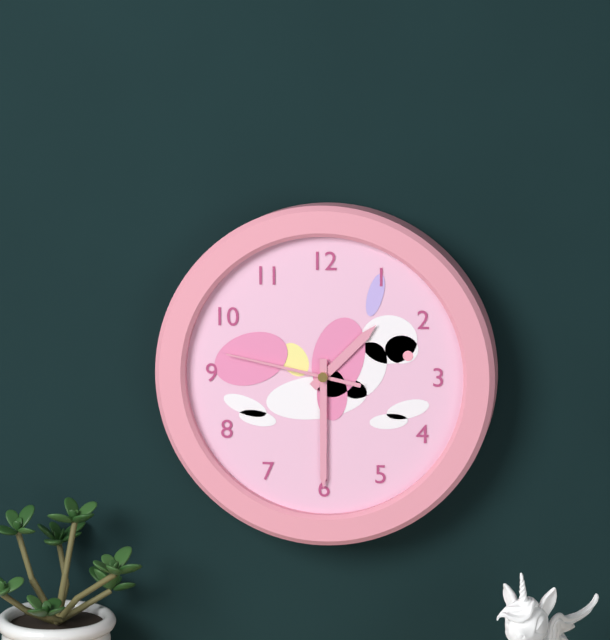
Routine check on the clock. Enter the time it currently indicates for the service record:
1:30:47
